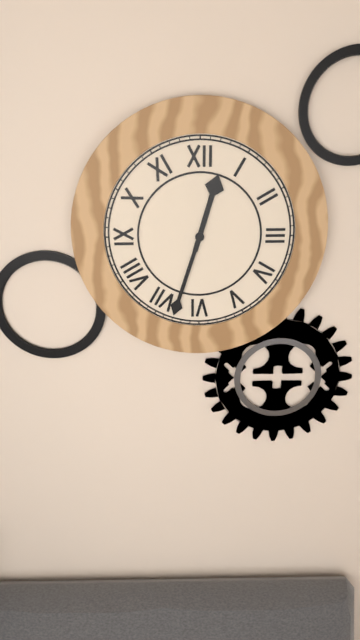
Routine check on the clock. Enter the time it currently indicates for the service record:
12:33
